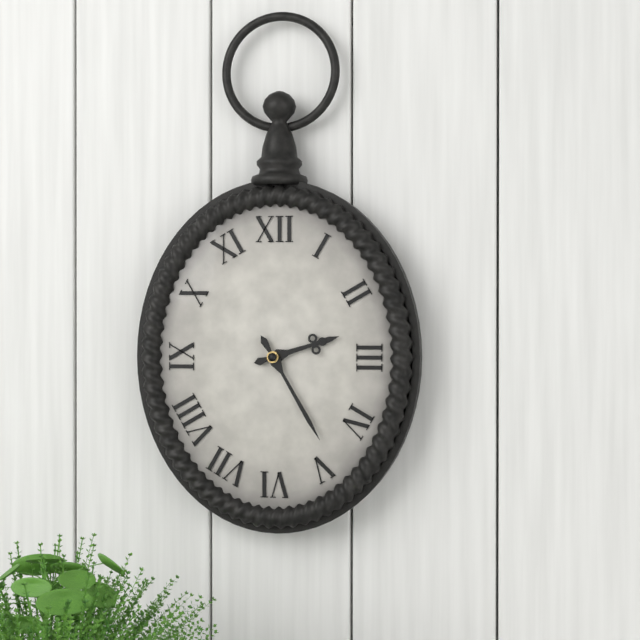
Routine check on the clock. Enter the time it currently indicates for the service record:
2:25
